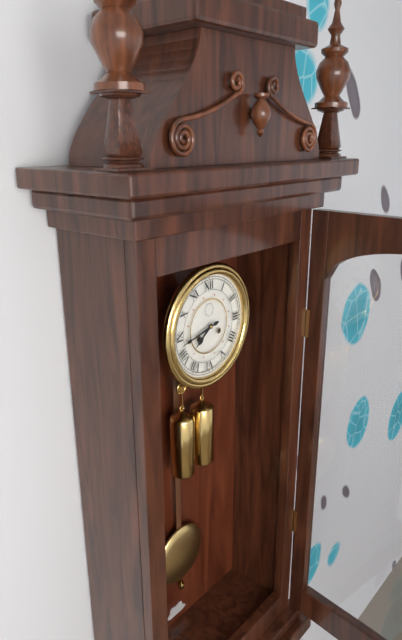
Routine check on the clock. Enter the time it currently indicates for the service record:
7:43
